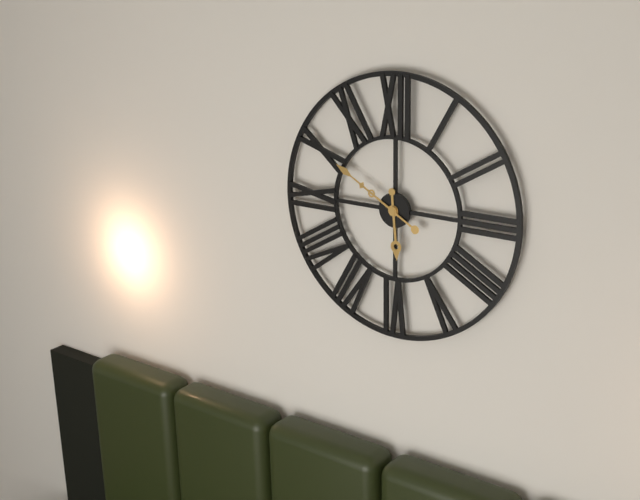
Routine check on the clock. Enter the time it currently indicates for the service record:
5:50
